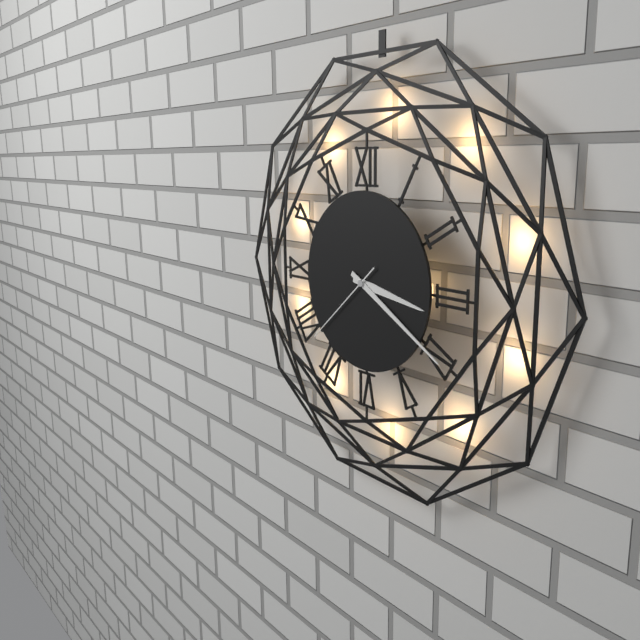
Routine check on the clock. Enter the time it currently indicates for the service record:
3:20:38
